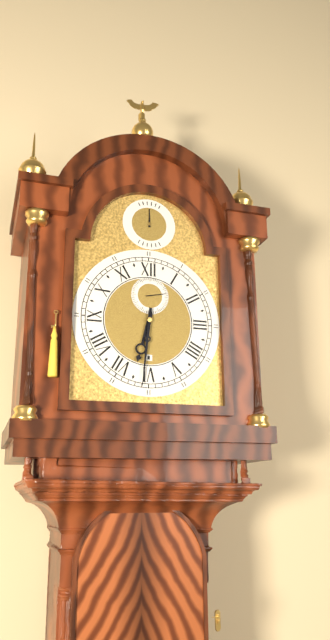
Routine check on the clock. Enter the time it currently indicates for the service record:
6:31
